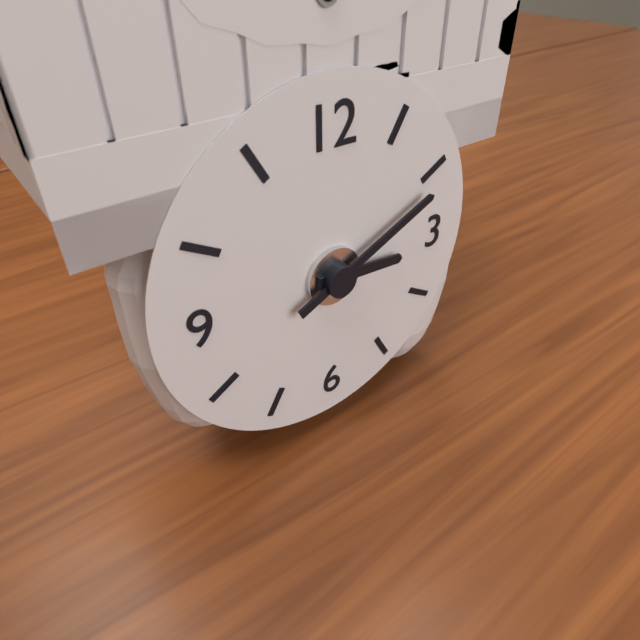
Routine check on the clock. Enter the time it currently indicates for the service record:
3:11
